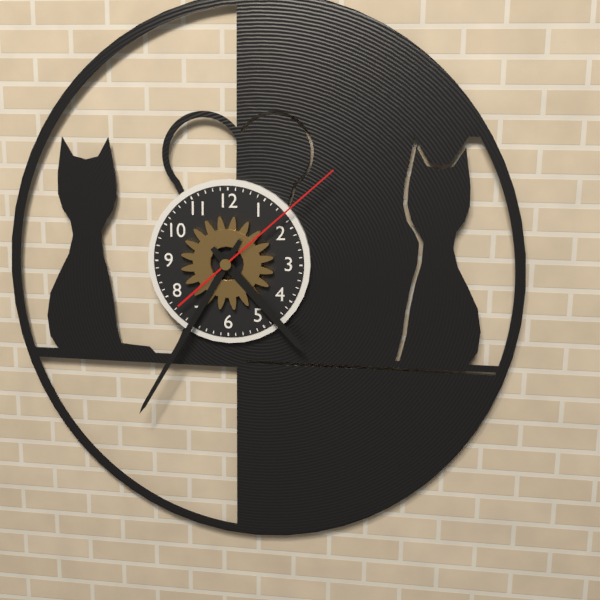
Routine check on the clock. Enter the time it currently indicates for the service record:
4:35:08
